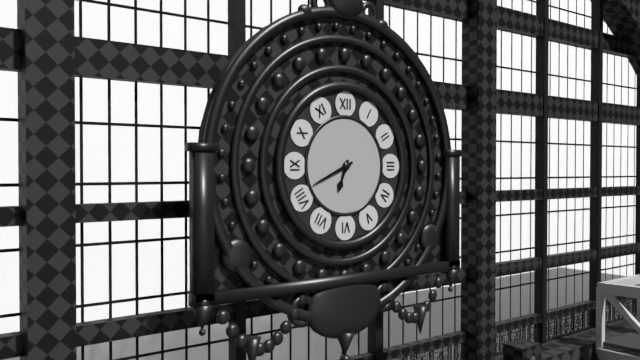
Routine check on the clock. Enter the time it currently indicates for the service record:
6:41
